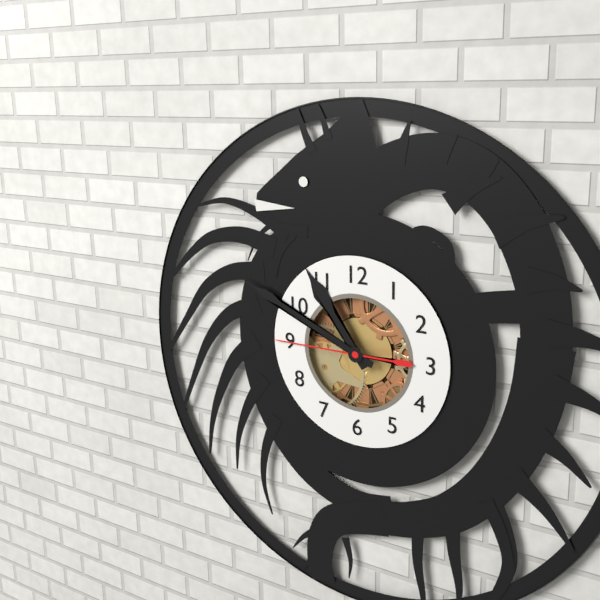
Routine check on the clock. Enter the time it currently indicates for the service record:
10:49:45
